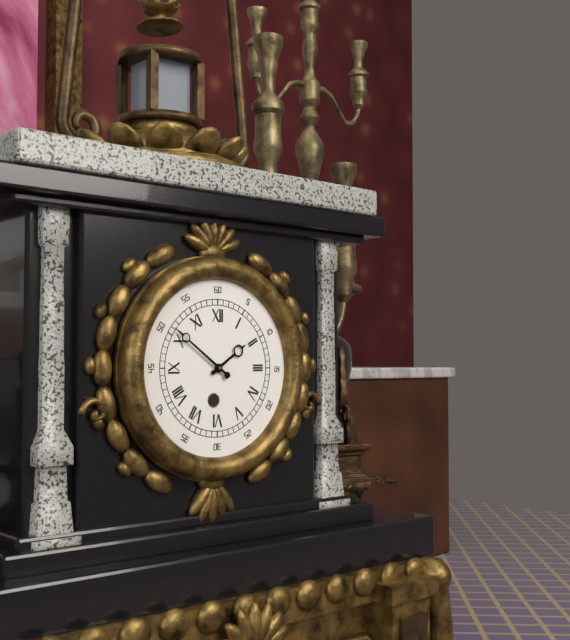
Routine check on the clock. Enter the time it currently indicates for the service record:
1:51
